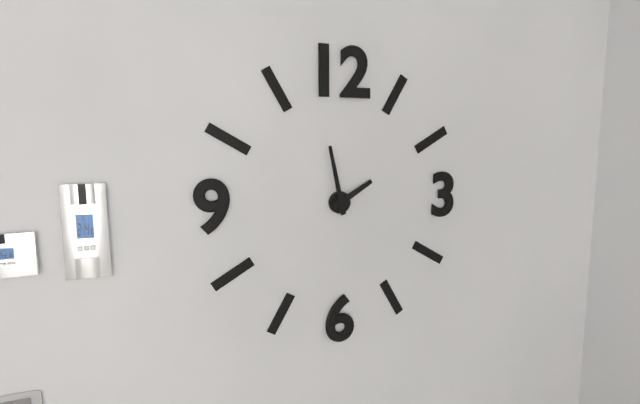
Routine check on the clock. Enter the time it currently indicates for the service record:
1:58
